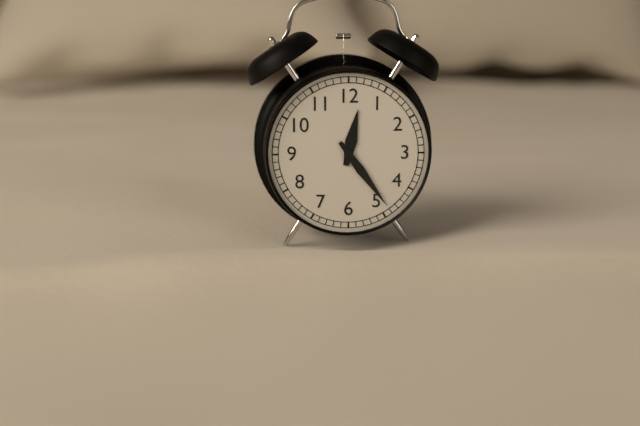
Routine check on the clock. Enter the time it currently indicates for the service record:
12:24
